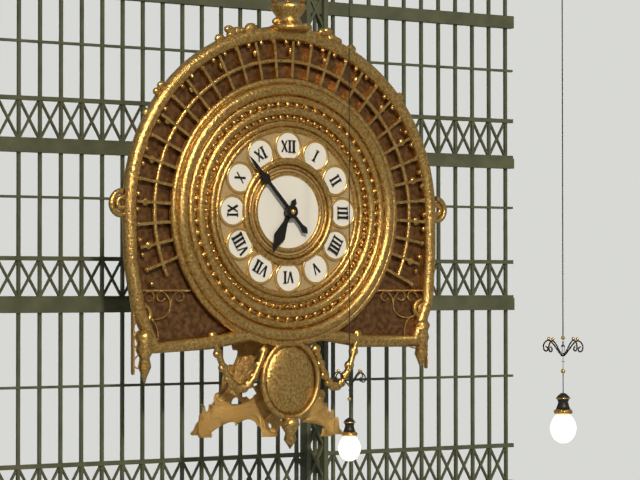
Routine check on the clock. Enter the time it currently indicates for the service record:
6:53
